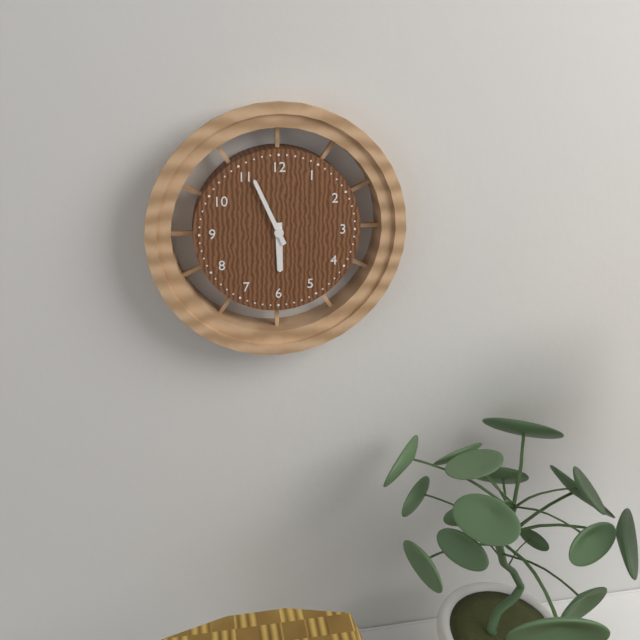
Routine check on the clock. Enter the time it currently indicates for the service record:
5:56
